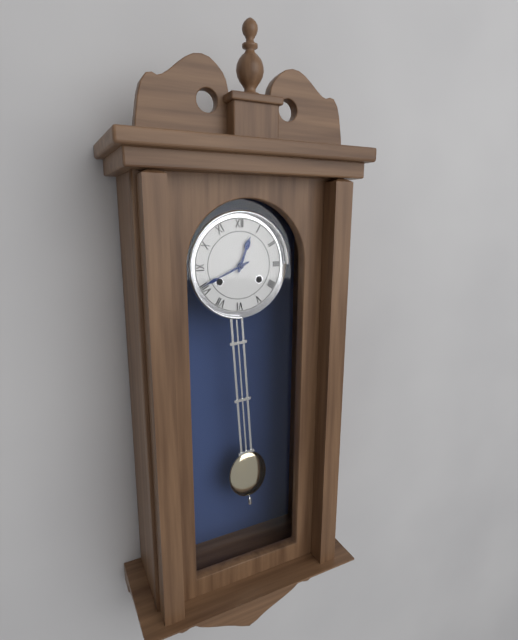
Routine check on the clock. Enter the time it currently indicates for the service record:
12:41
